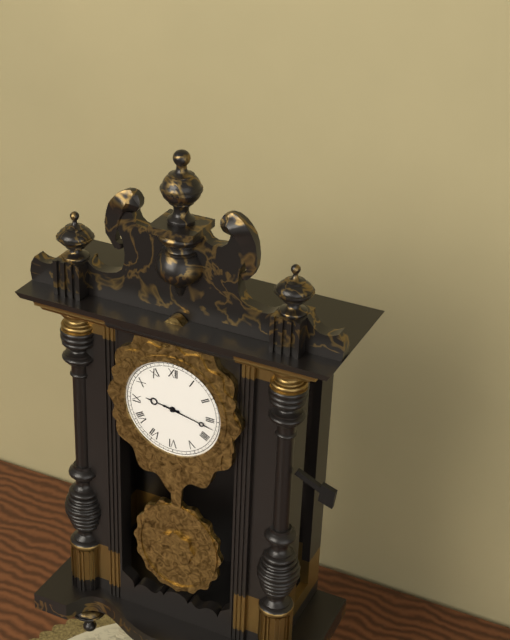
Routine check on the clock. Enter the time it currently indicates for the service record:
9:17
